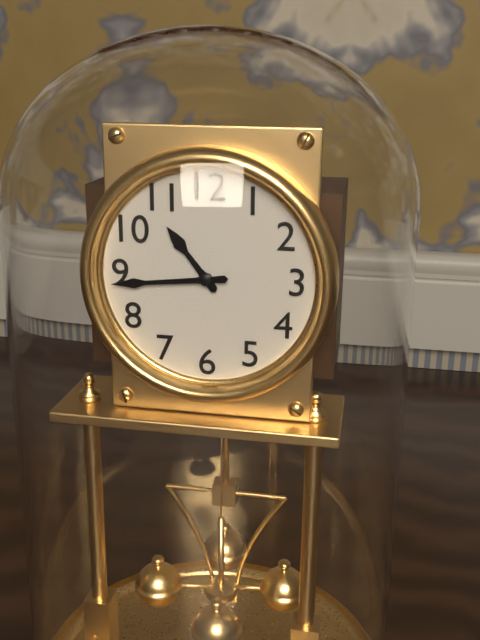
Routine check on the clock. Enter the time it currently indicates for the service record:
10:44
